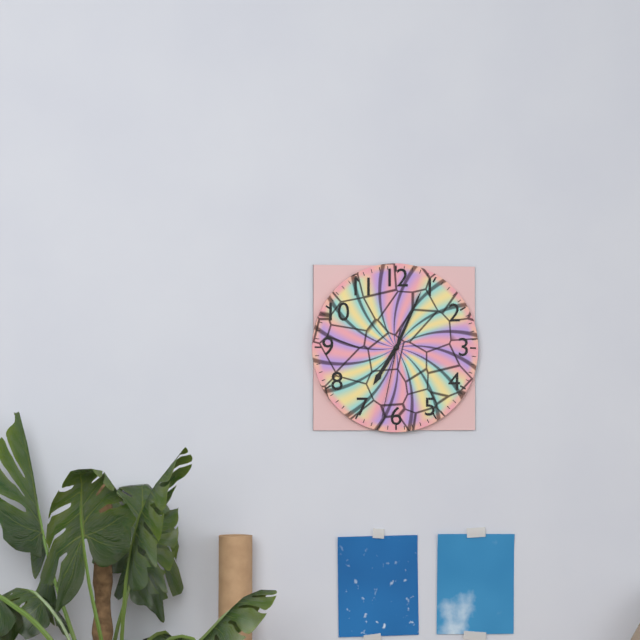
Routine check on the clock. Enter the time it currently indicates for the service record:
7:04:32
